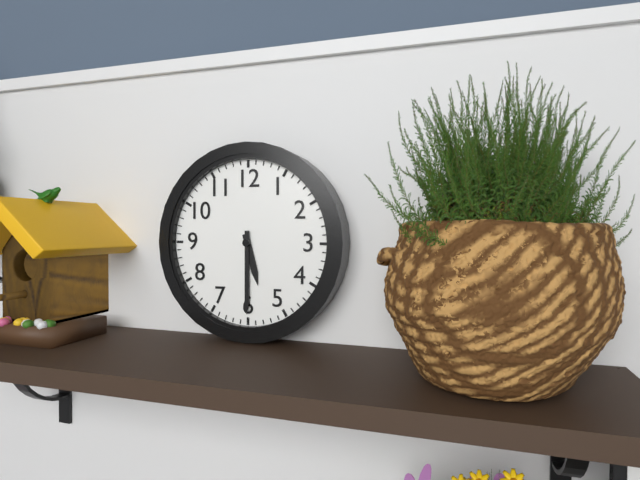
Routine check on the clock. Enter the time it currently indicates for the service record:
5:30
